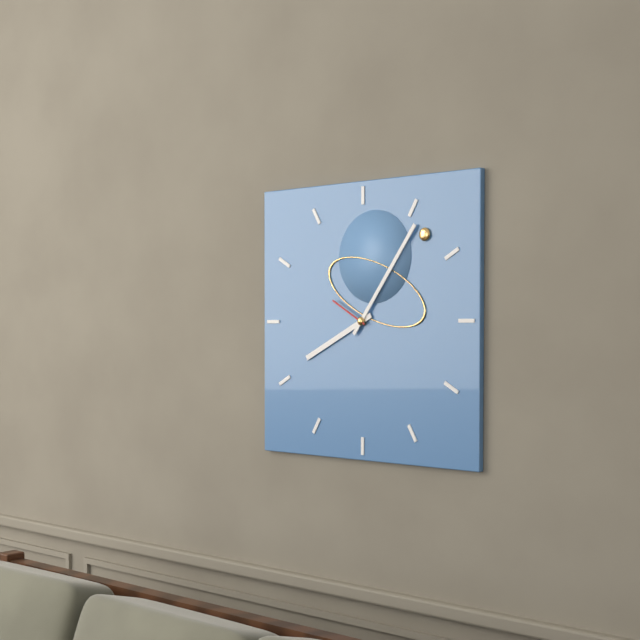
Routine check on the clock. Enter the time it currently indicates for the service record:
8:06
